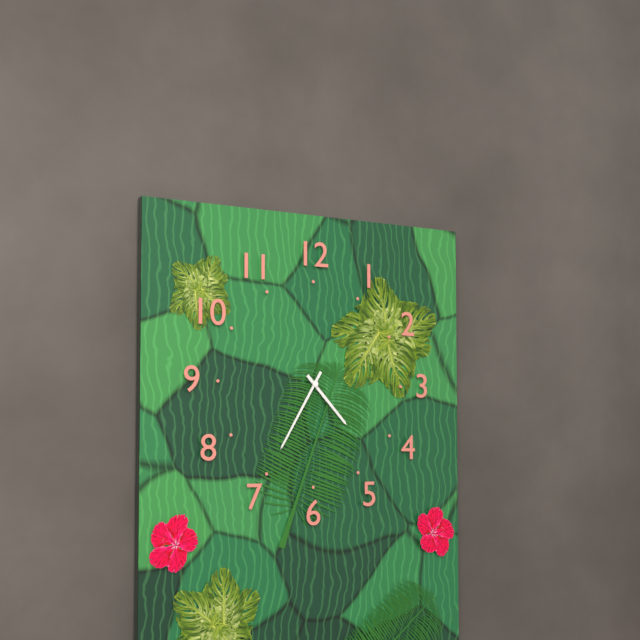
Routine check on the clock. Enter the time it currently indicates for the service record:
4:35
